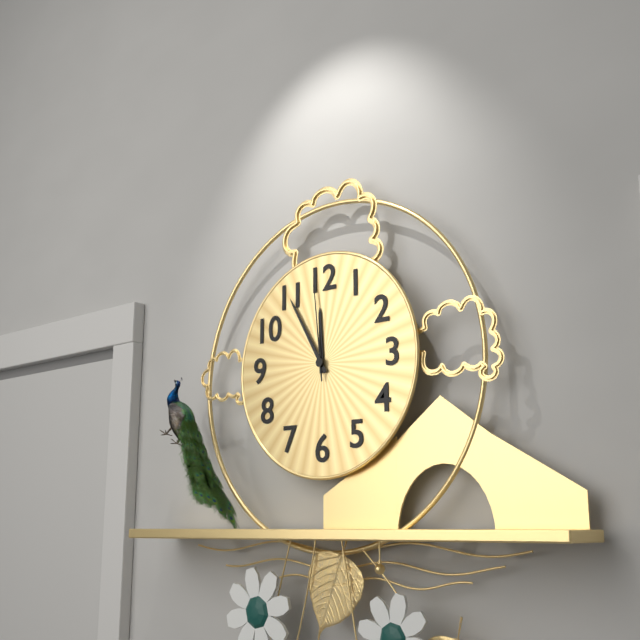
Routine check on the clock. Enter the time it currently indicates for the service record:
11:55:59
